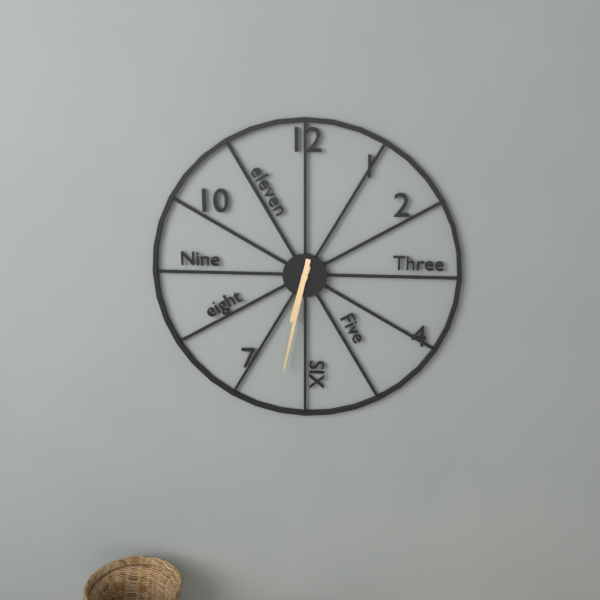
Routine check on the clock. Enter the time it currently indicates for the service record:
6:32
